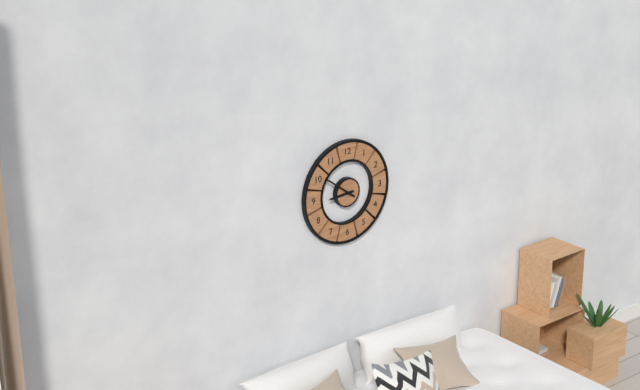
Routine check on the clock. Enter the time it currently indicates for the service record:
8:51
